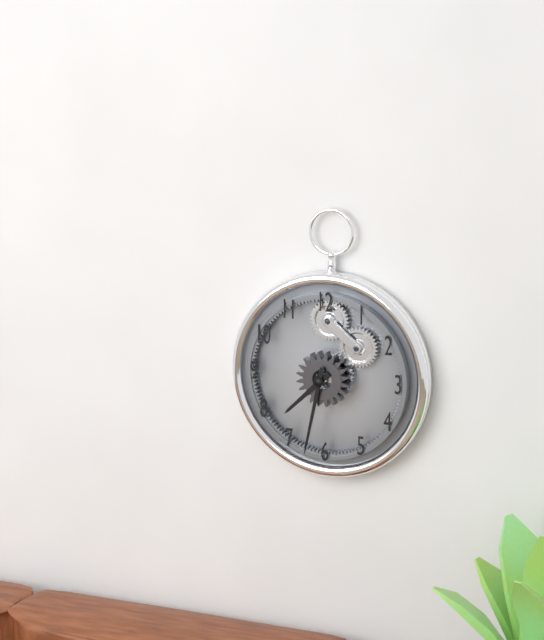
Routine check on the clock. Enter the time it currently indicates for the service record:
7:32
